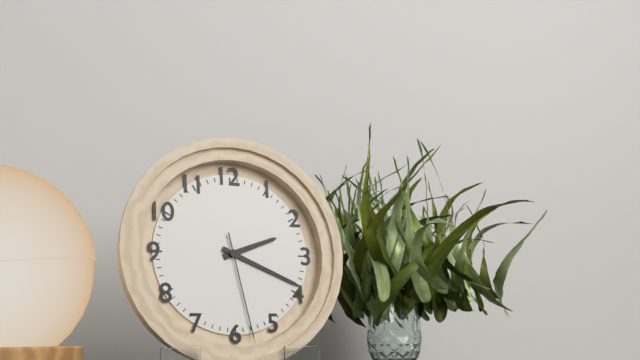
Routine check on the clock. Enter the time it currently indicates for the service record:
2:19:28
